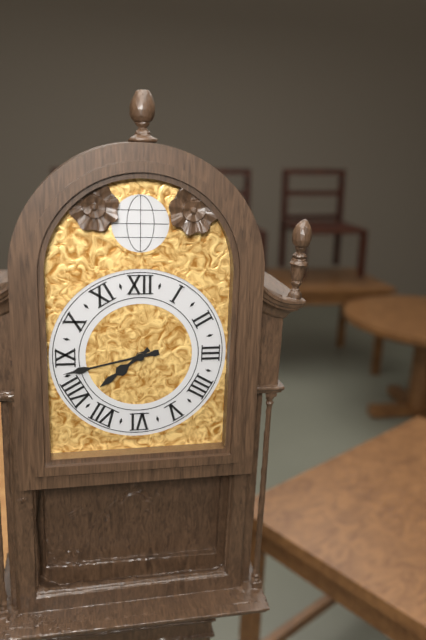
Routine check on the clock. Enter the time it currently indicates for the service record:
7:43
